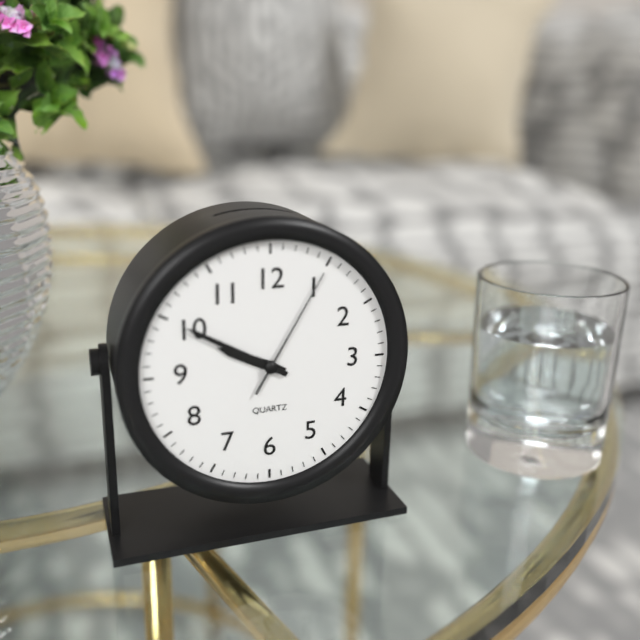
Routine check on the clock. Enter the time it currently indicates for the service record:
9:50:05
